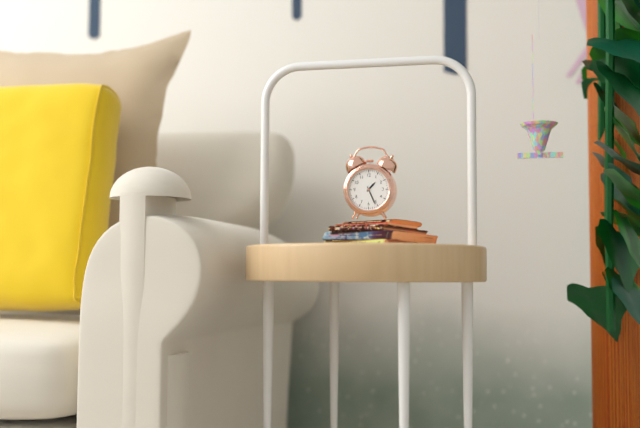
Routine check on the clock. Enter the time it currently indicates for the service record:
1:26
